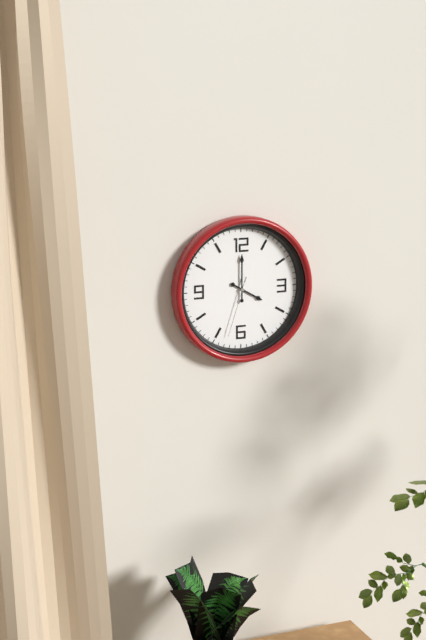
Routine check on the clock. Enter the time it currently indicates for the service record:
4:00:33
